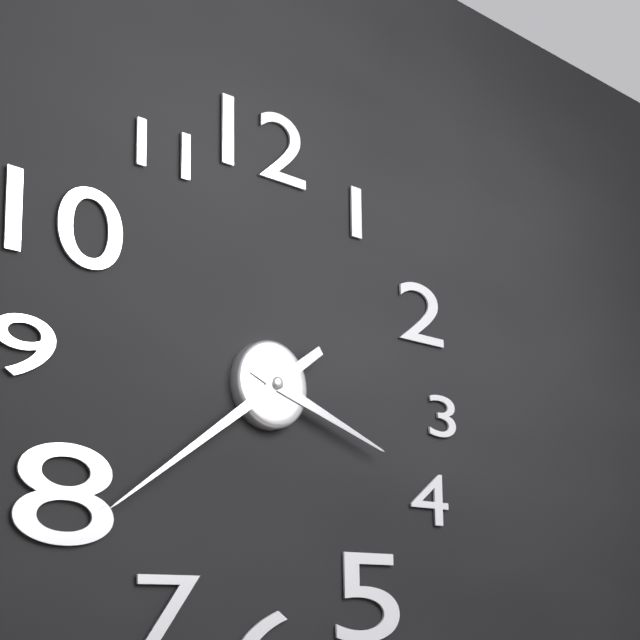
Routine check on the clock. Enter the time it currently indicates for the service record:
3:39
